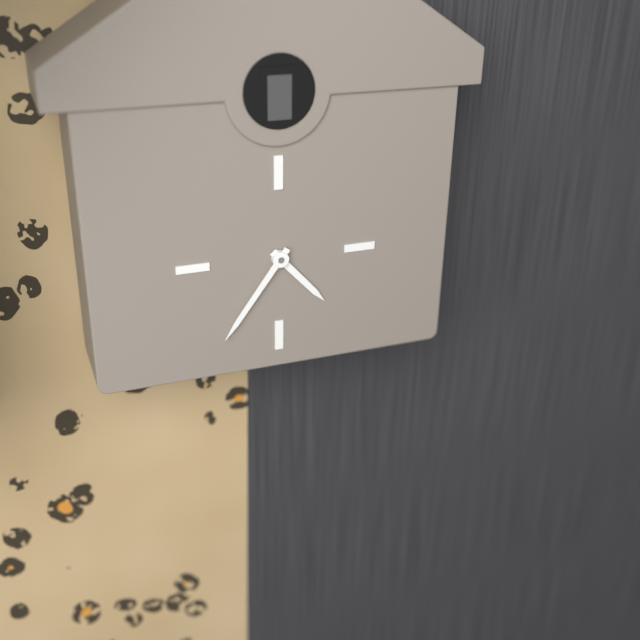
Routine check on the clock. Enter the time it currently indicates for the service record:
4:36
